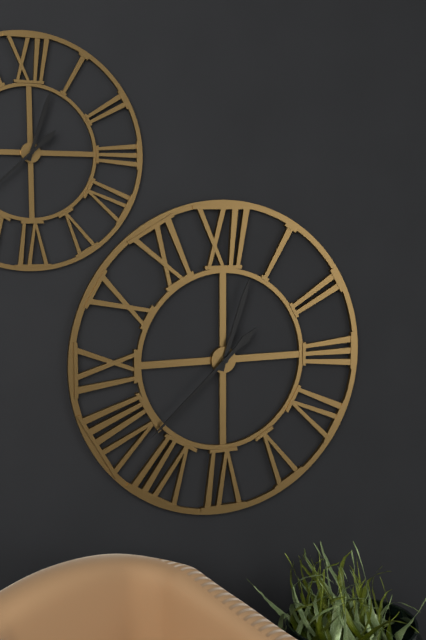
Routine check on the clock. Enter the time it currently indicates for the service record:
12:38
